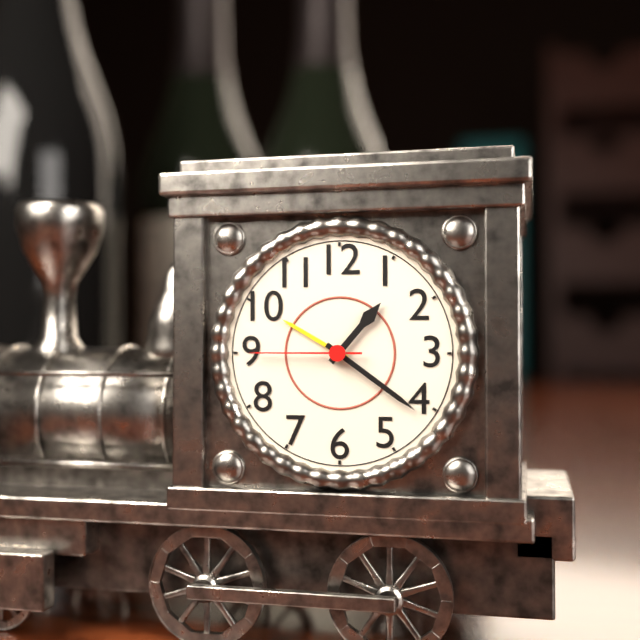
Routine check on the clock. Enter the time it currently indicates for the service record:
1:21:45
